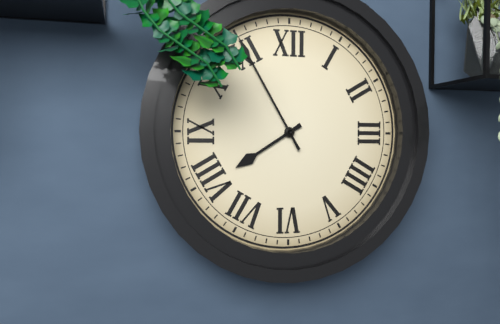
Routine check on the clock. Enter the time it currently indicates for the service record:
7:55
